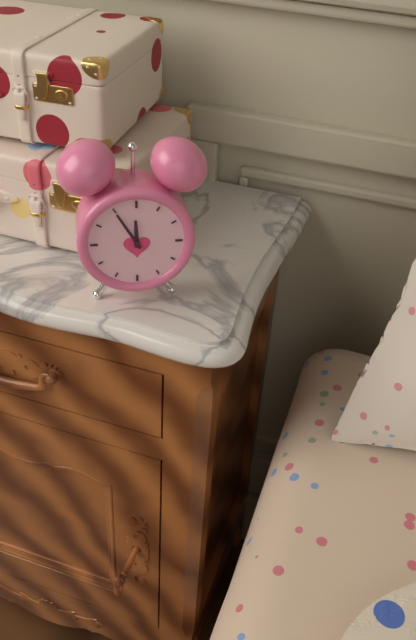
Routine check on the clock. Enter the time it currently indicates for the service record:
11:55
